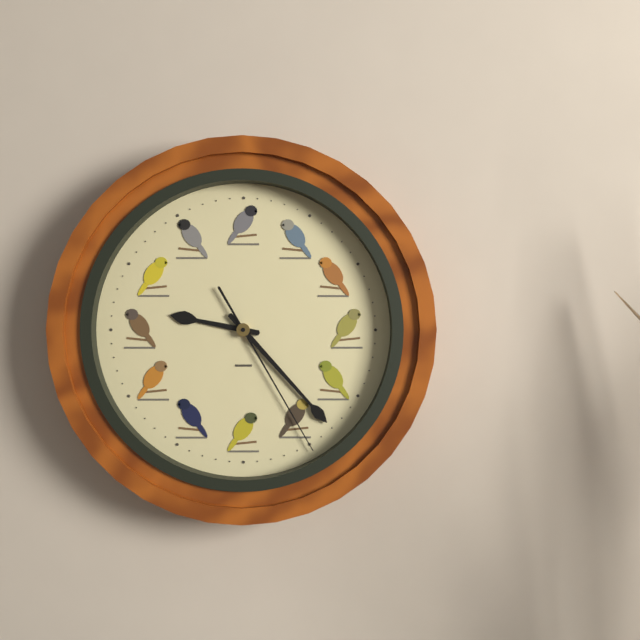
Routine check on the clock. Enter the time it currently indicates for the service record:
9:23:25
